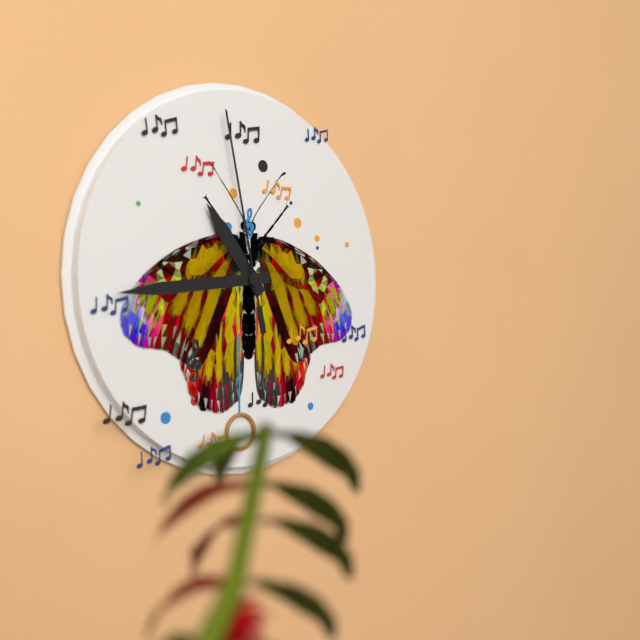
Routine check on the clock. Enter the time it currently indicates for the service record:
10:44:58
